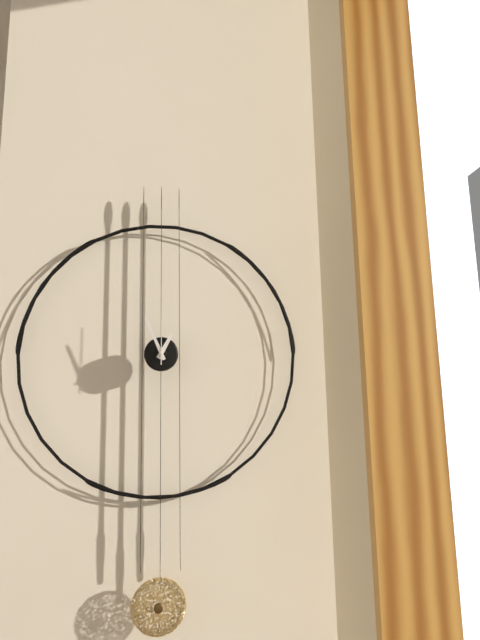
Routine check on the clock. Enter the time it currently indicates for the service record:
12:56:00
